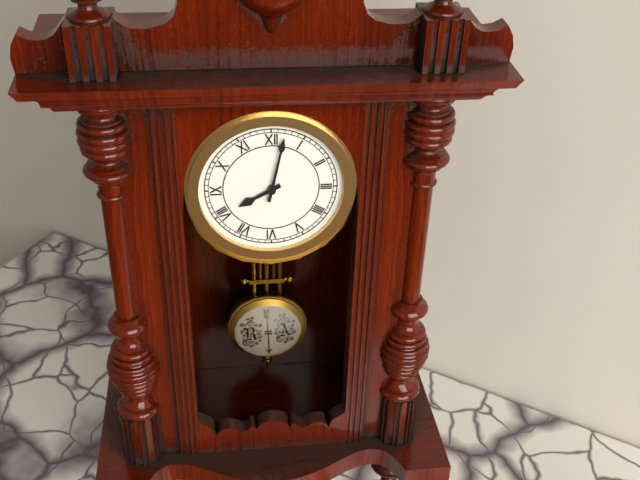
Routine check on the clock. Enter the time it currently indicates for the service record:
8:02
